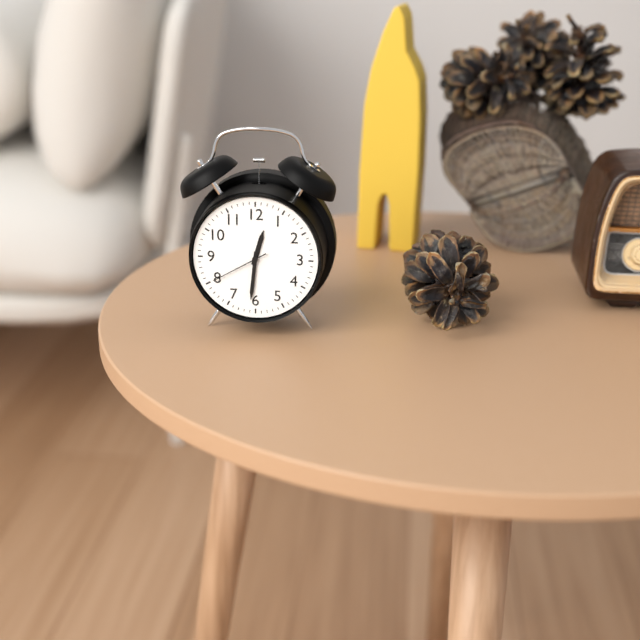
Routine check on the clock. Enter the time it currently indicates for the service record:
12:31:40
